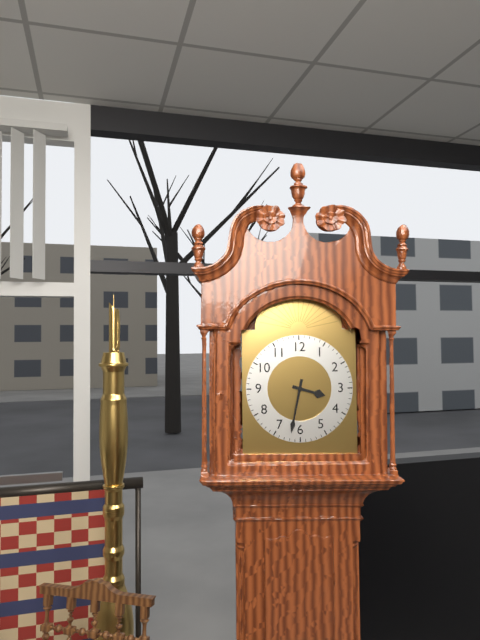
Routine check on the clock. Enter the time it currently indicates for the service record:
3:32
